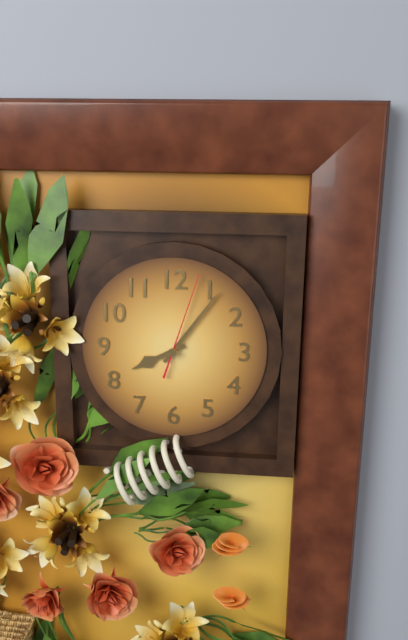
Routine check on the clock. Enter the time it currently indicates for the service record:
8:06:03
